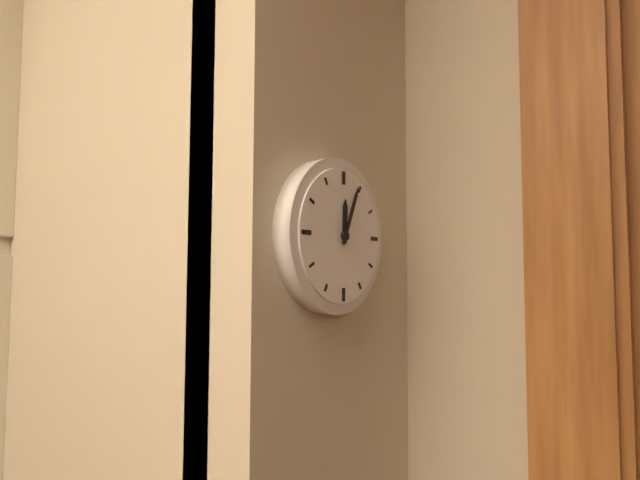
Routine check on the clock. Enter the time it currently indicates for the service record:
12:04
